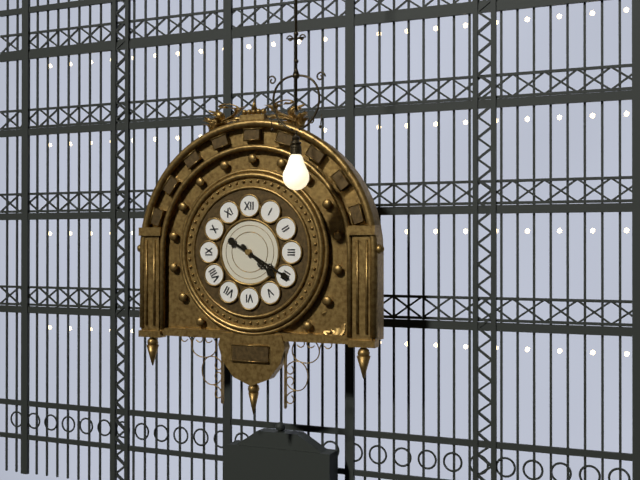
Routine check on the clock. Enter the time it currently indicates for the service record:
4:20
